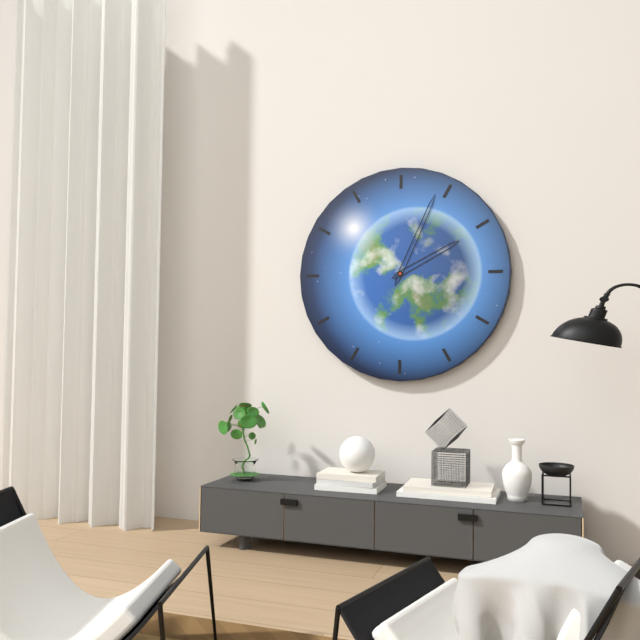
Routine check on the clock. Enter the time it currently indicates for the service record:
2:04
